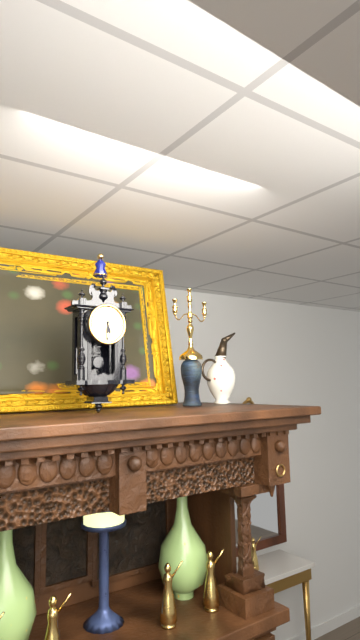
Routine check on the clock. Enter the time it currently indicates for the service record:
5:31
